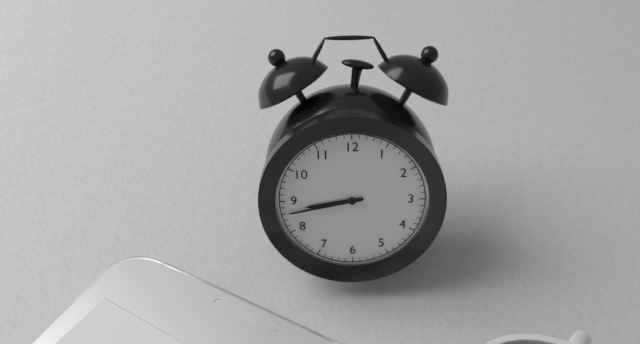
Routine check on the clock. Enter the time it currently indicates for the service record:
8:43
